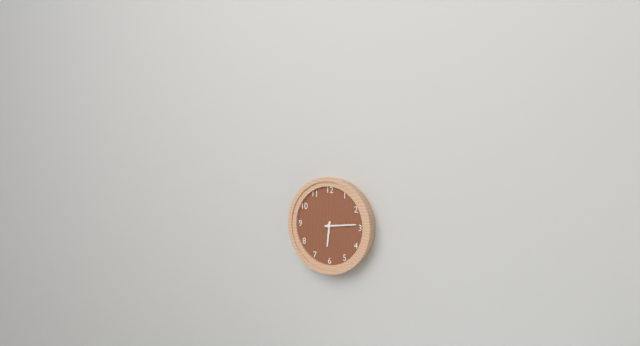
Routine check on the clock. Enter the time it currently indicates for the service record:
6:14
